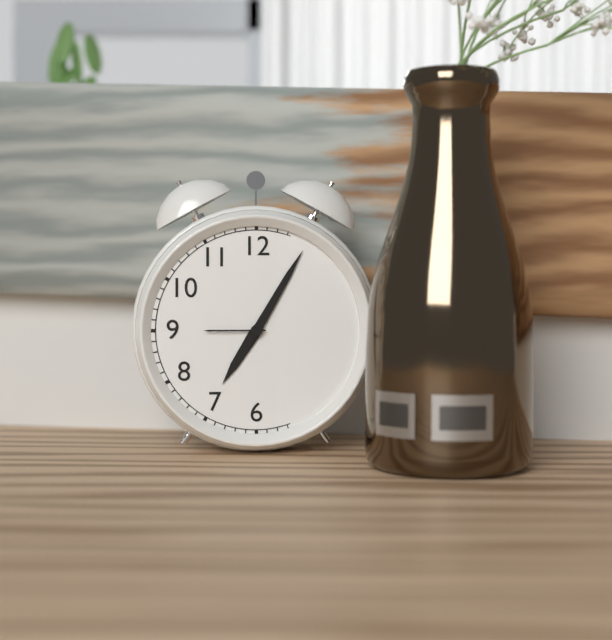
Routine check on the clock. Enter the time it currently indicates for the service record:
7:05
